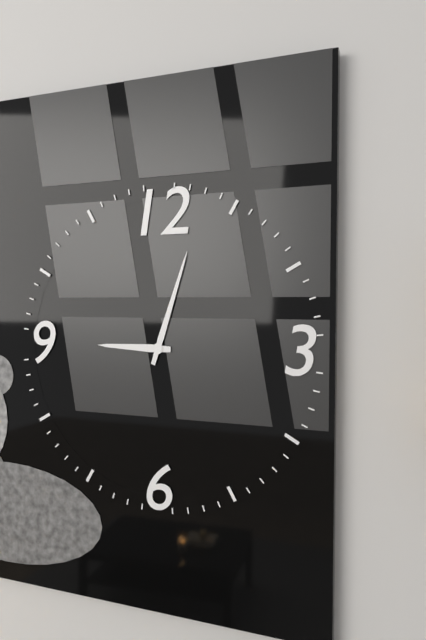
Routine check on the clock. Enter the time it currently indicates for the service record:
9:03
